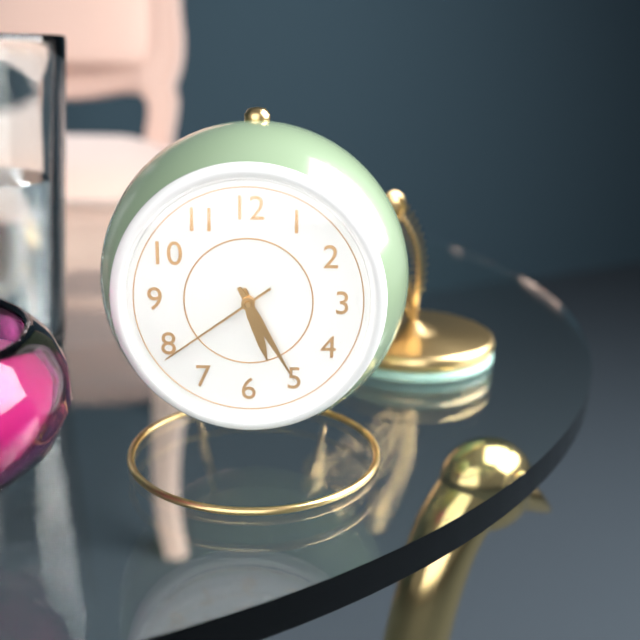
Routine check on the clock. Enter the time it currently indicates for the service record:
5:25:39
